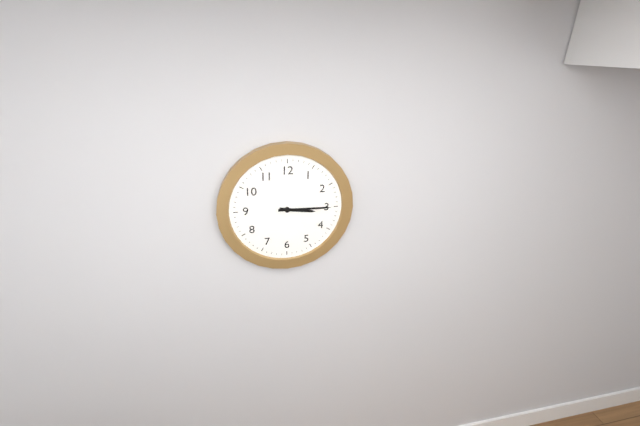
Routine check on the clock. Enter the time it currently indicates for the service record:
3:15
